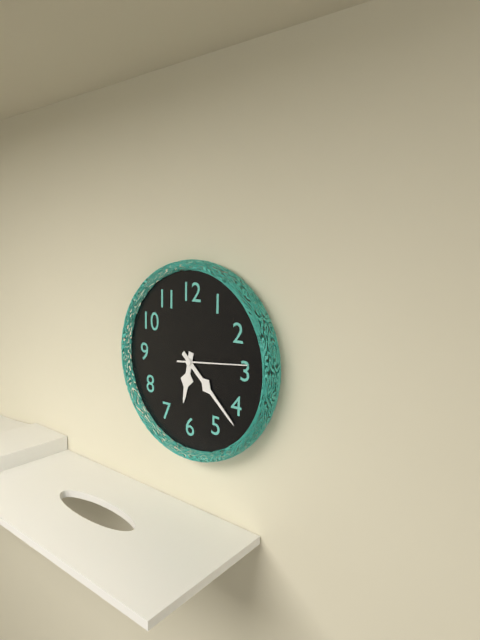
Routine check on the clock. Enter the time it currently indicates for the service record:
6:22:14
